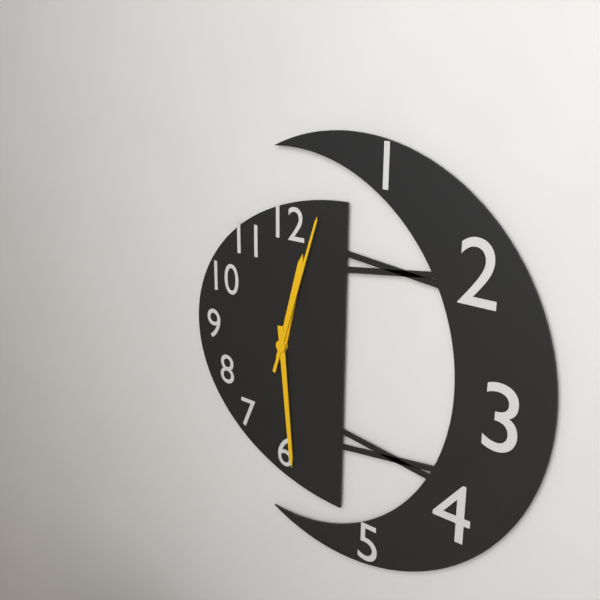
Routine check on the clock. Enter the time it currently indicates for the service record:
12:29:03
